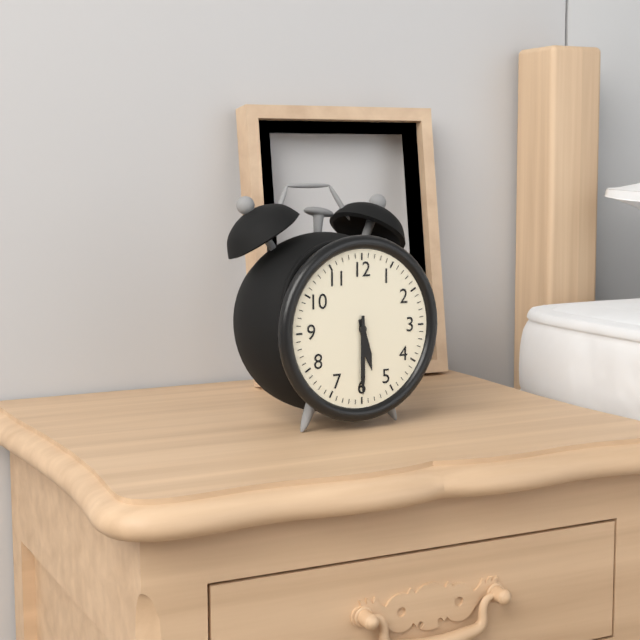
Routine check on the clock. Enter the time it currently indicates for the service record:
5:30
